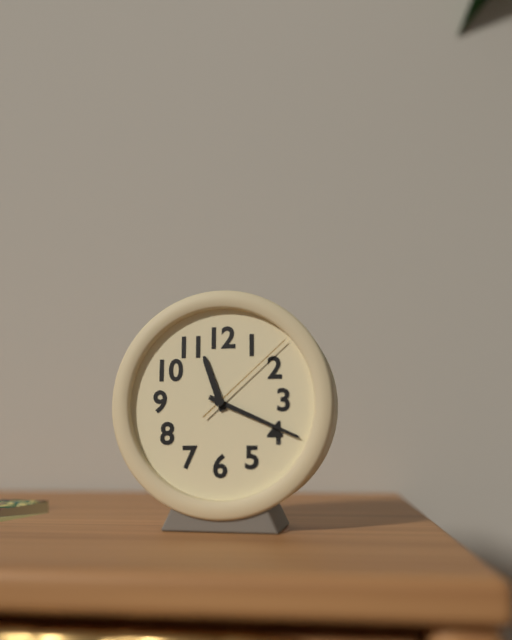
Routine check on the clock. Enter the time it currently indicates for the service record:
11:19:08
